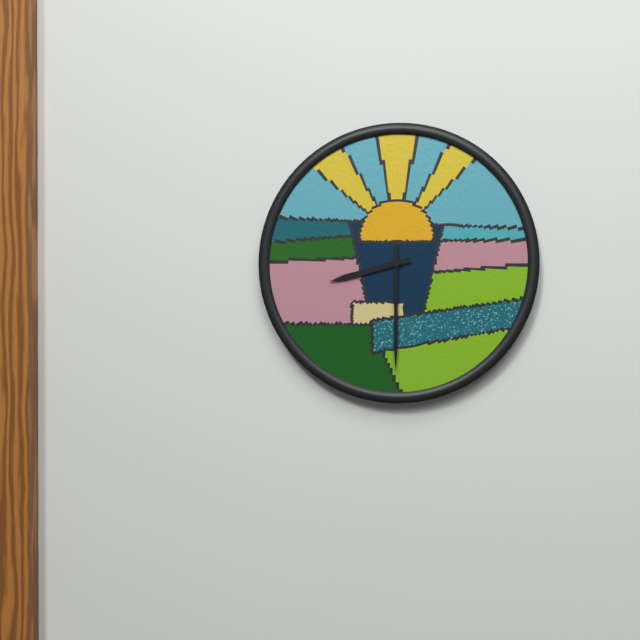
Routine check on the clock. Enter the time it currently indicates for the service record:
8:30
